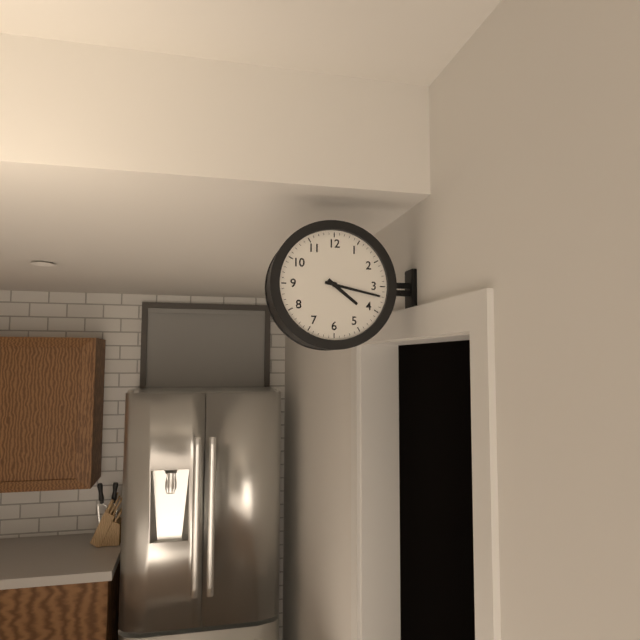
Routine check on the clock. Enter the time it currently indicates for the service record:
4:17
